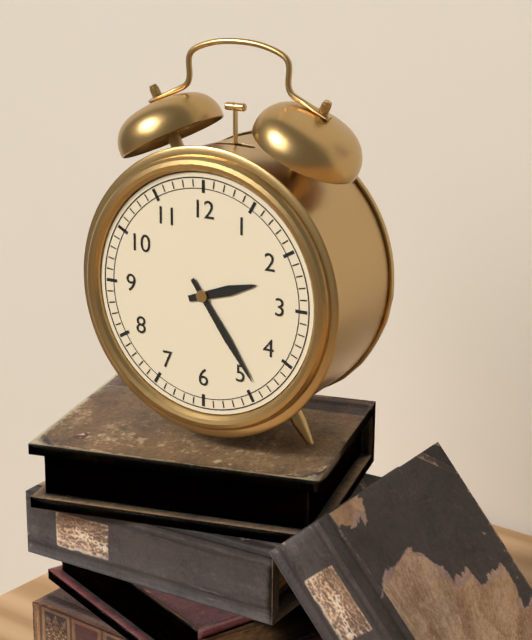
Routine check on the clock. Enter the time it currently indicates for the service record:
2:24
